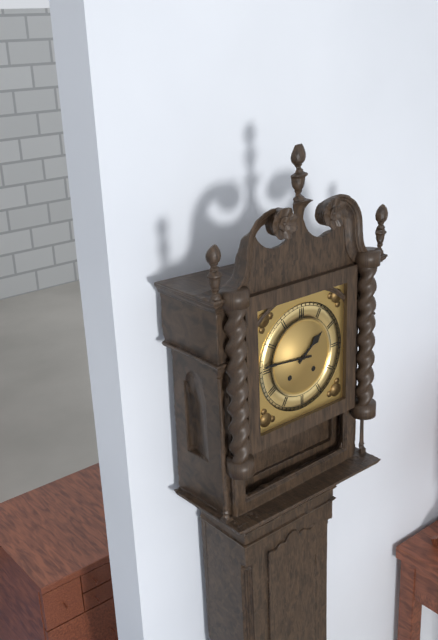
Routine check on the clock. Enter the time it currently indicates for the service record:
1:46
